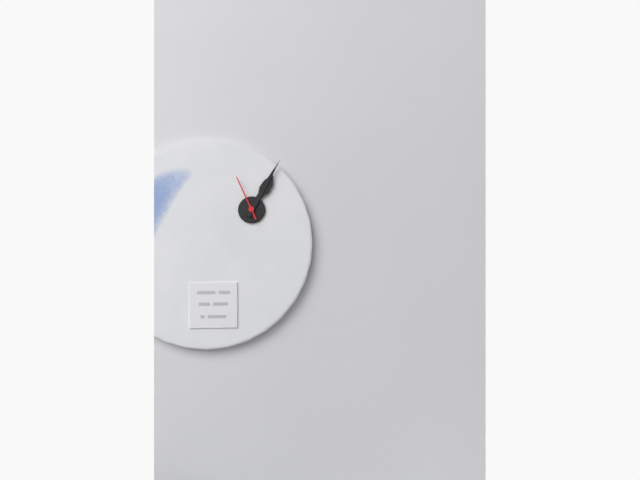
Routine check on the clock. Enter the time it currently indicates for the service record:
1:05
